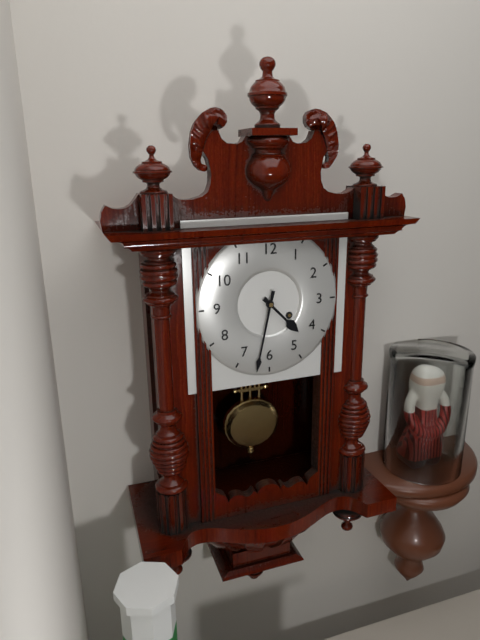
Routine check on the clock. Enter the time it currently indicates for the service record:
4:32
